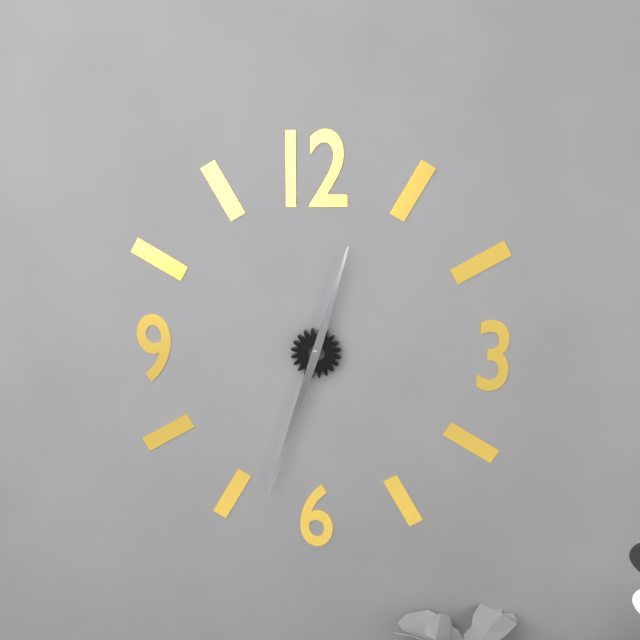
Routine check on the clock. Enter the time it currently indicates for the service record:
12:33
